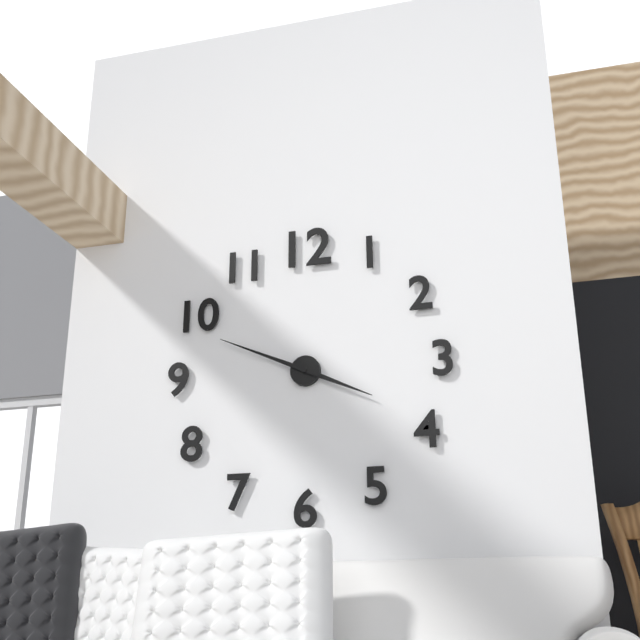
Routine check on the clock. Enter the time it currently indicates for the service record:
3:49
